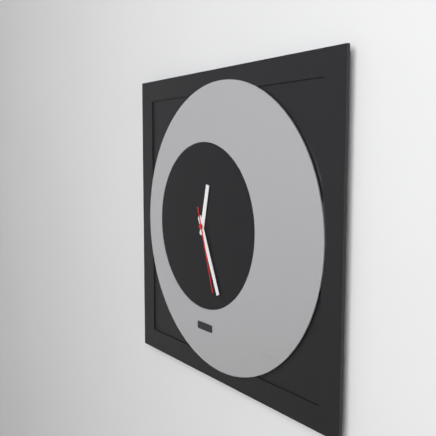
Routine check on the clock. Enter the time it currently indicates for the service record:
12:26:27
